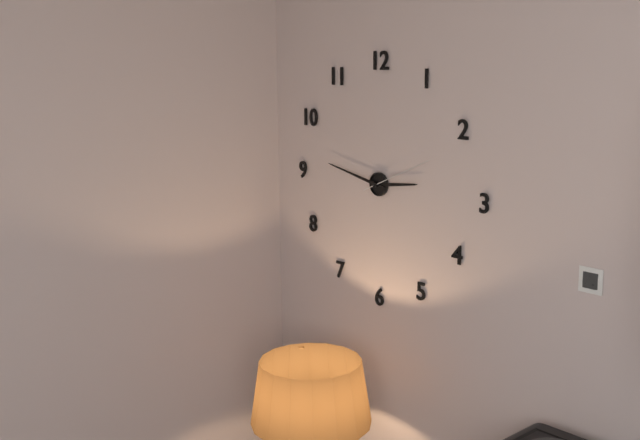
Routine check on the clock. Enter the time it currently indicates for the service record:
2:47:11
